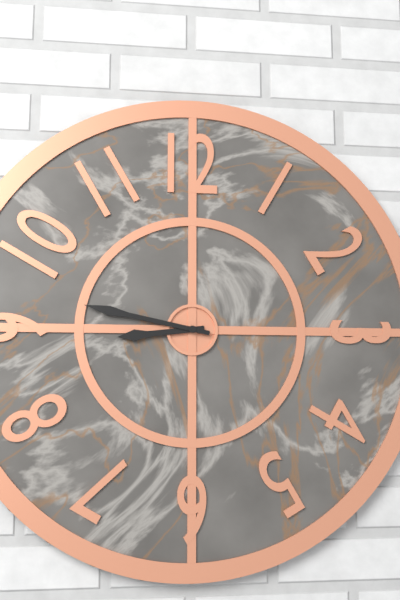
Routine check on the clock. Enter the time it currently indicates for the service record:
8:47
